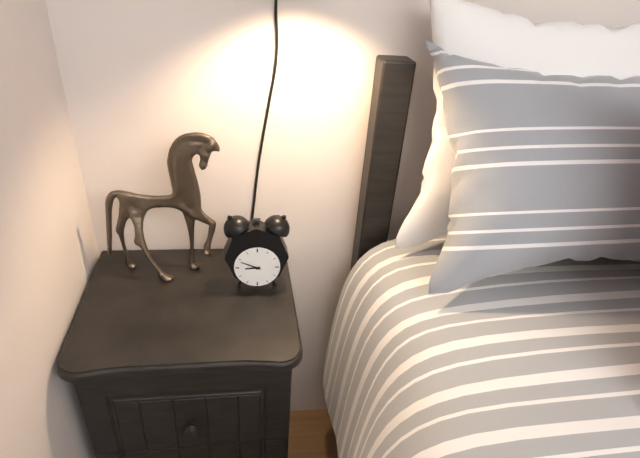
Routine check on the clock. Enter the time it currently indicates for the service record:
8:49
